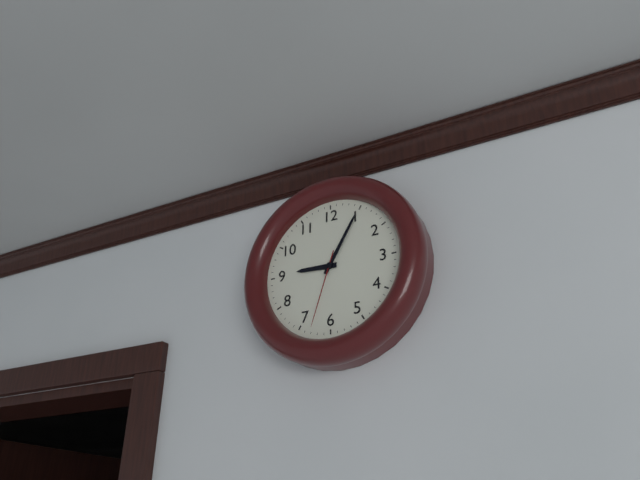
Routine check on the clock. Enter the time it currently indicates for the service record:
9:05:33
